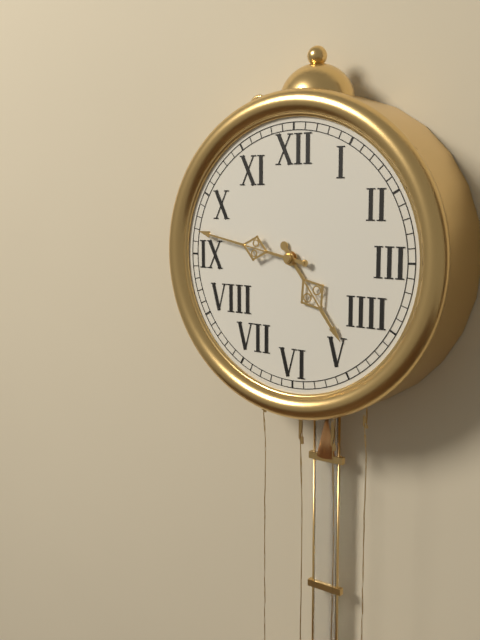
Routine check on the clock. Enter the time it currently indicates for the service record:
4:47
